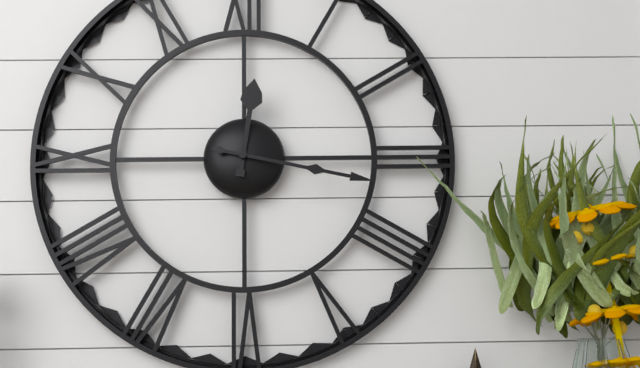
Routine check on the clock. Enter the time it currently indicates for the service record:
12:17
